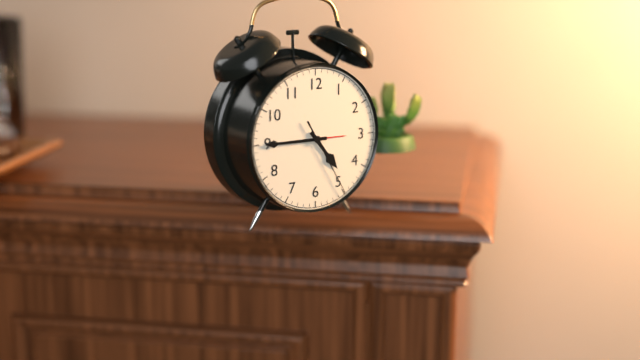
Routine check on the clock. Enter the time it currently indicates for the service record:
4:45:25
